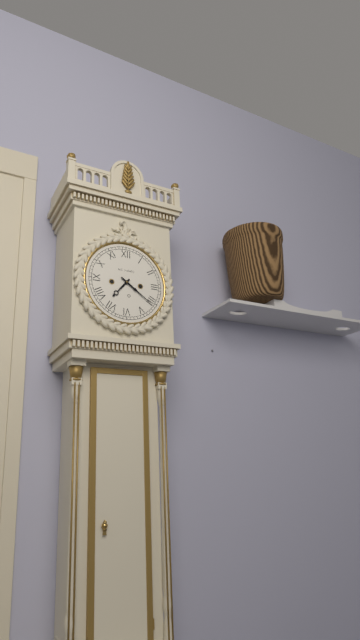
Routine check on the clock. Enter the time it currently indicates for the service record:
7:21
